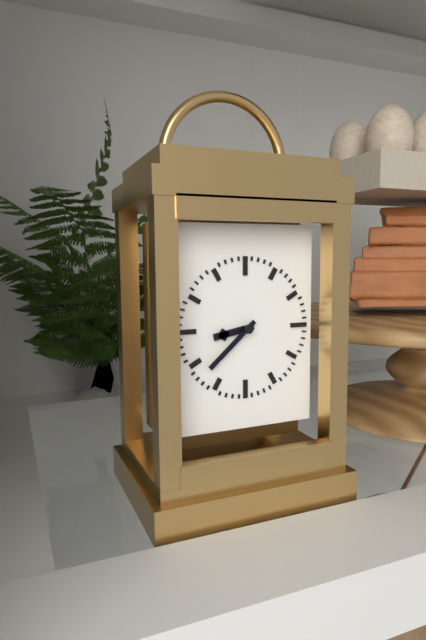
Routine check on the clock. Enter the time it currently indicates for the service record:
8:38
